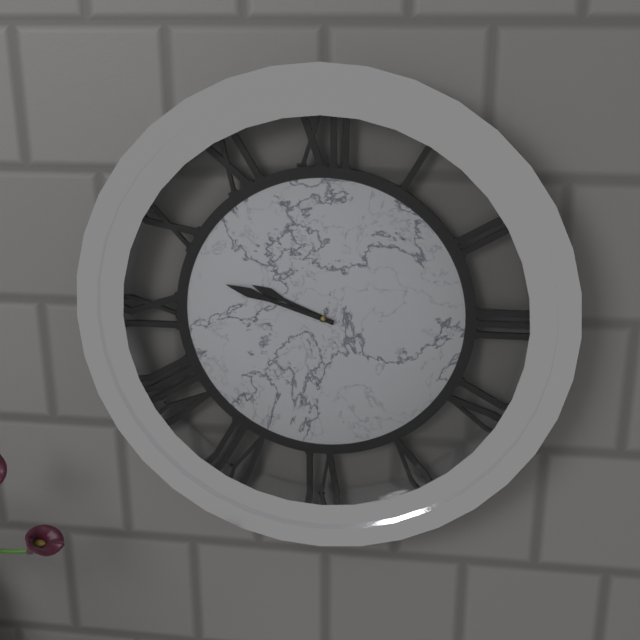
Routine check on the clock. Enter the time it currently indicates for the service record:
9:48
